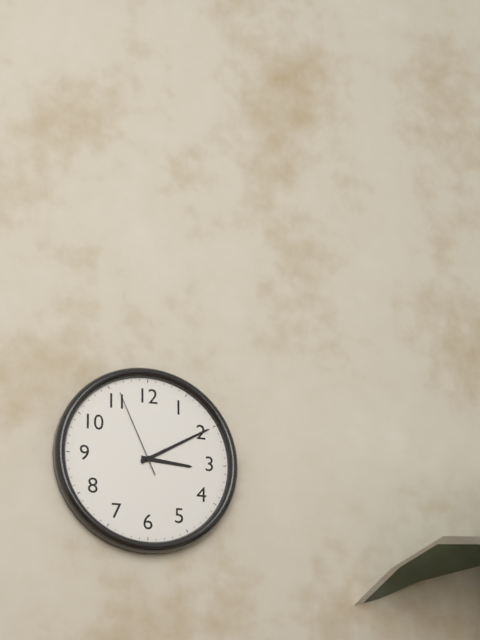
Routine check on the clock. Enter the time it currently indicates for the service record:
3:10:56
